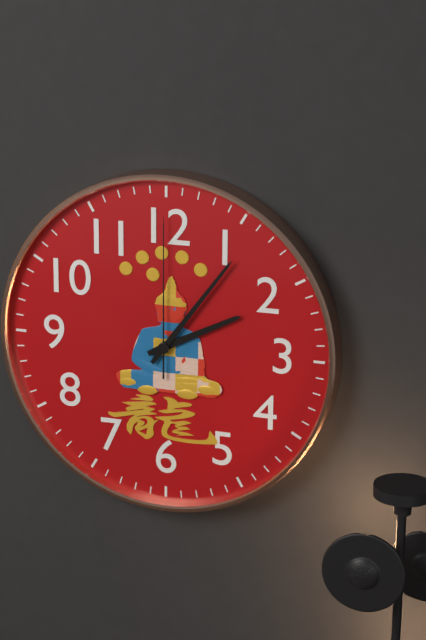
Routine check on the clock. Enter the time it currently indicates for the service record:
2:06:00
